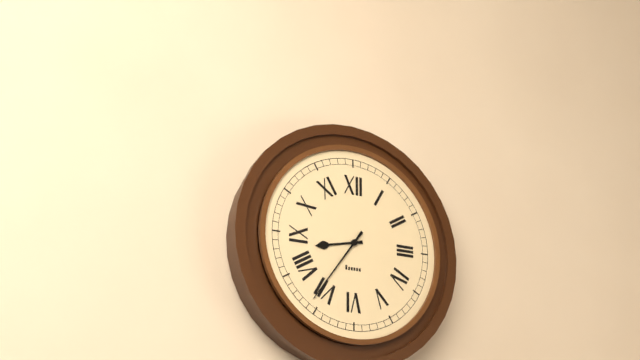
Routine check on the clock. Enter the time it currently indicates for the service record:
8:36
